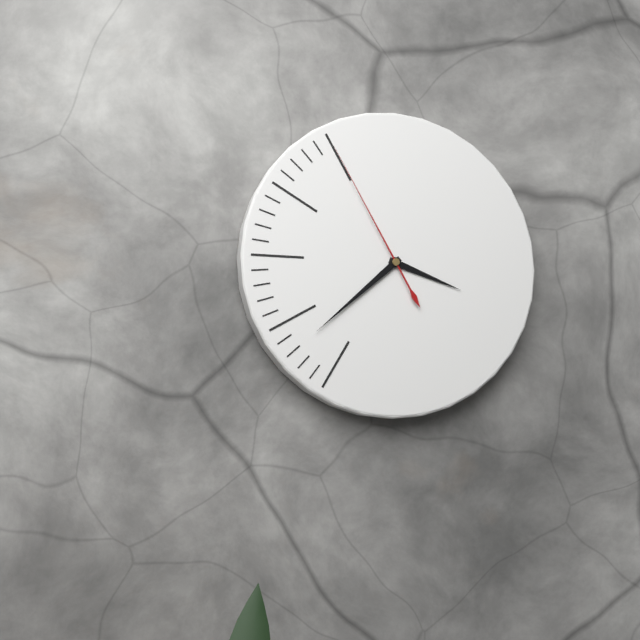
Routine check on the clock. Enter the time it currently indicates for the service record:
3:38:55
